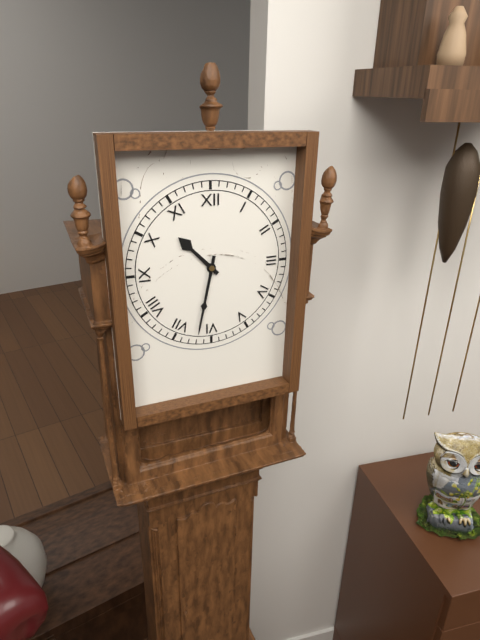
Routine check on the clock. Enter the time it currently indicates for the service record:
10:32
